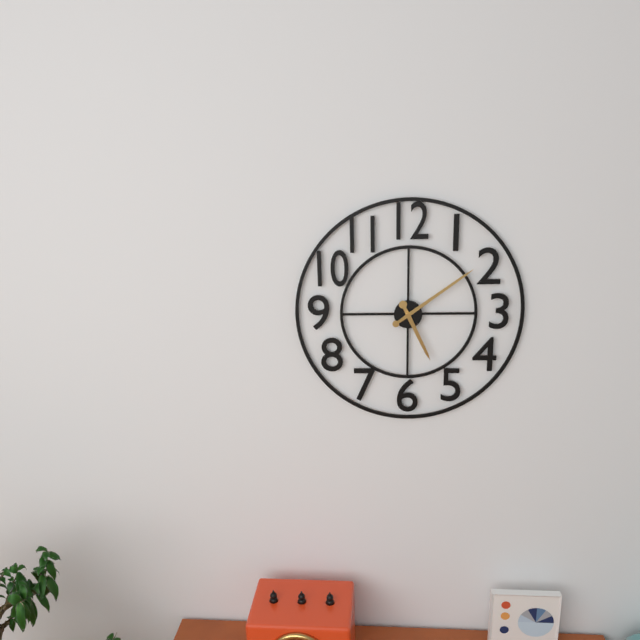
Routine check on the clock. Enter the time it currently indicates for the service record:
5:09
